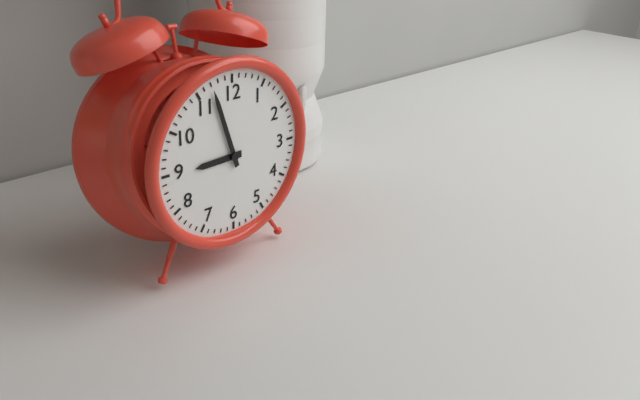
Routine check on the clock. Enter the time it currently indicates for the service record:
8:57
